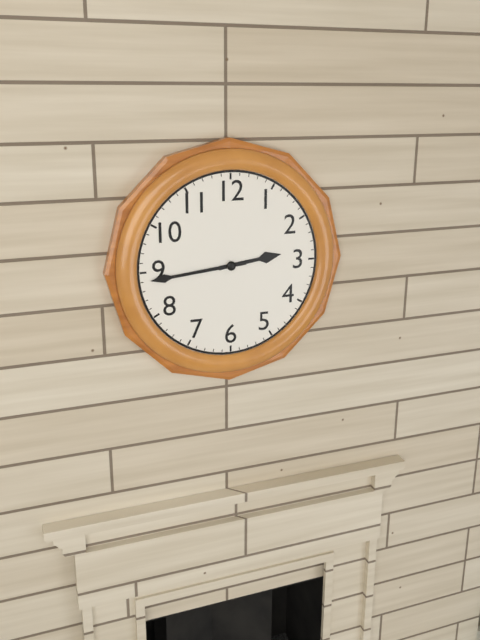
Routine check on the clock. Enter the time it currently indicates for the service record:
2:44
